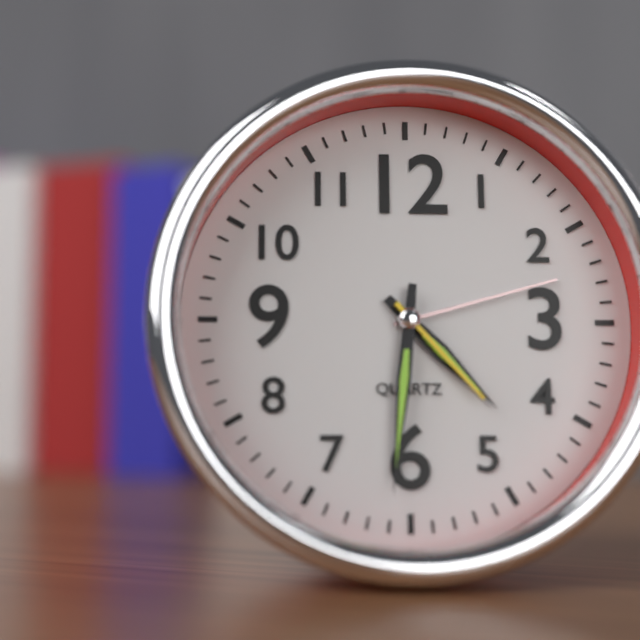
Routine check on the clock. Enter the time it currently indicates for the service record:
4:31:23
